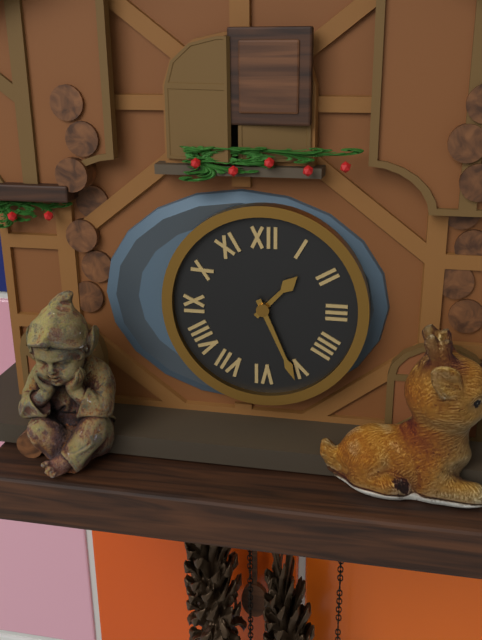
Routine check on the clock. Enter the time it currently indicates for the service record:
1:26
